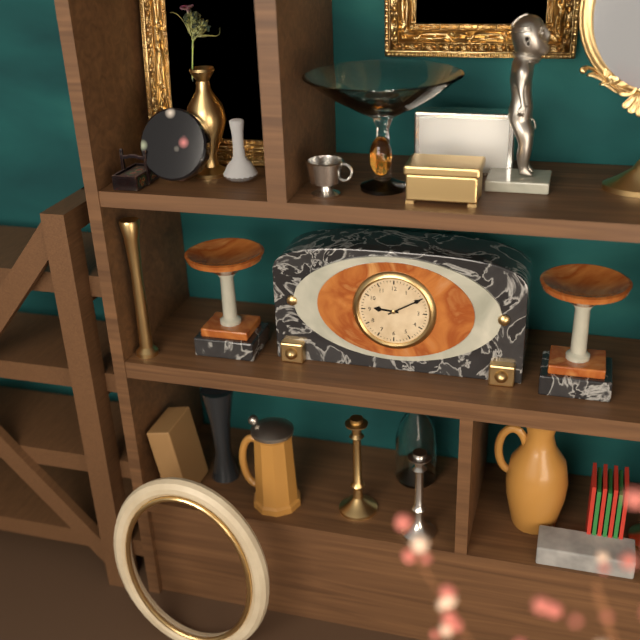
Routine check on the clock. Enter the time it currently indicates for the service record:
9:10
